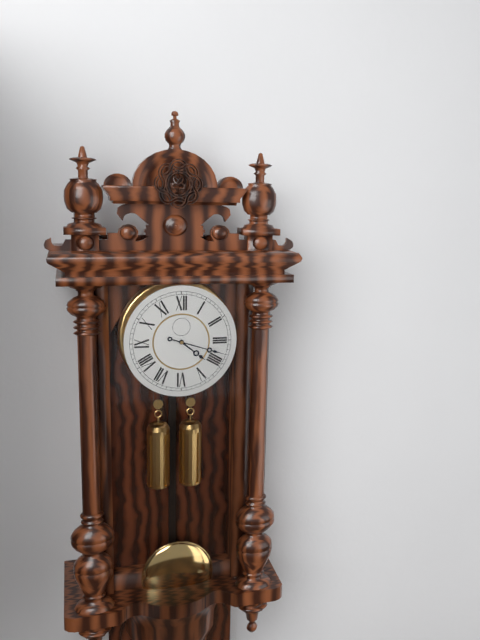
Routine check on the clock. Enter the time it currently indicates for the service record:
4:18
